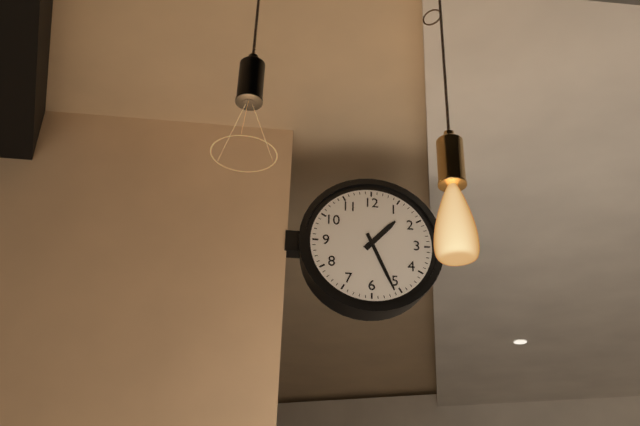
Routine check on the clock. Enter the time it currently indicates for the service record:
1:26
